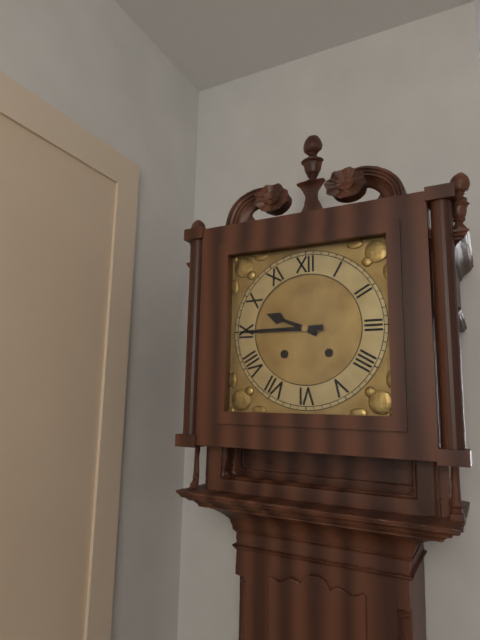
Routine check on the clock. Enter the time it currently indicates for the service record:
9:45
